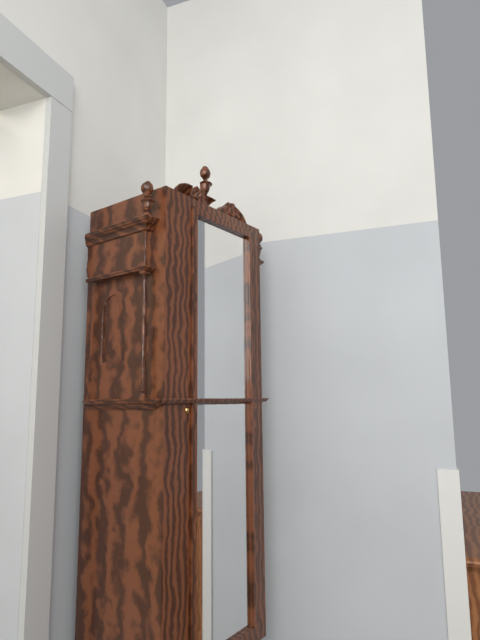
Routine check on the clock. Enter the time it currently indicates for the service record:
10:02
